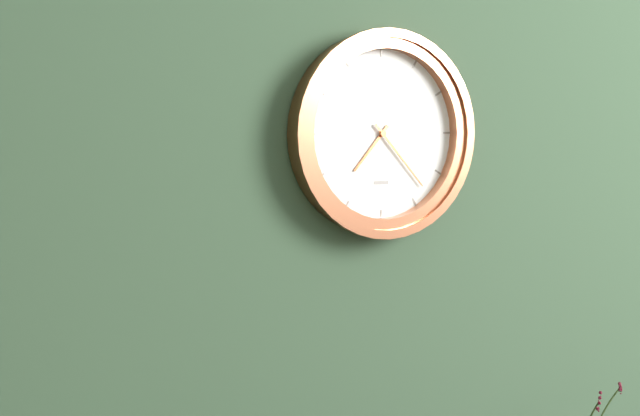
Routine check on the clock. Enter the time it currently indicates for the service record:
7:23
